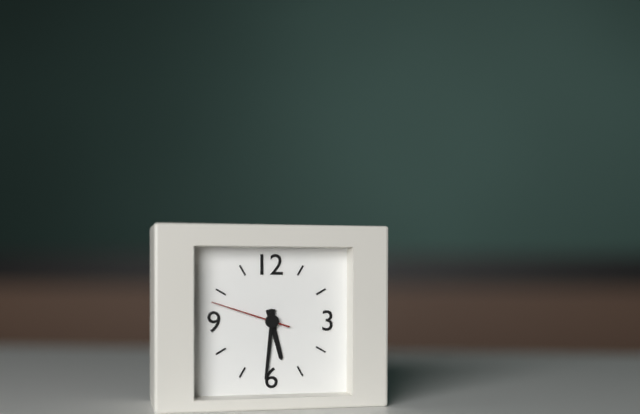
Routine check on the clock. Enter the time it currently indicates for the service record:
5:31:48
